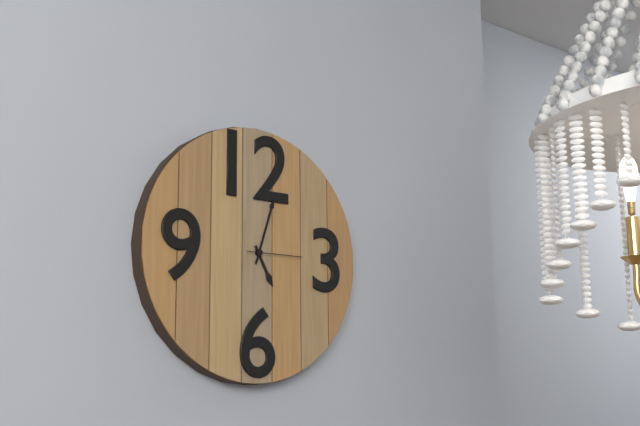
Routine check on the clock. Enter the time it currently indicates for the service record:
5:03:15
